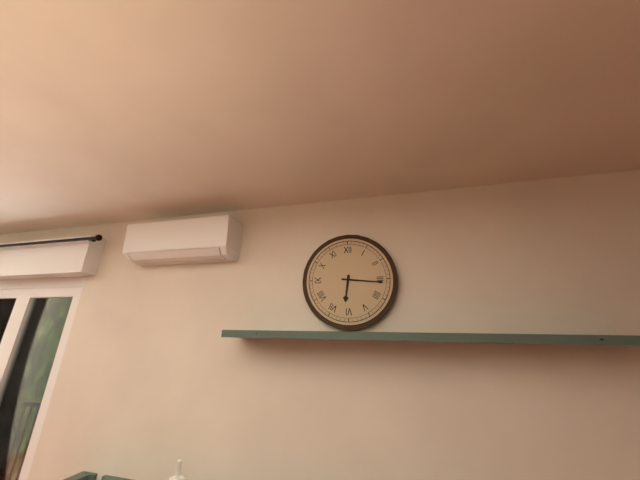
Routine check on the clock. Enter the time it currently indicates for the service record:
6:16
